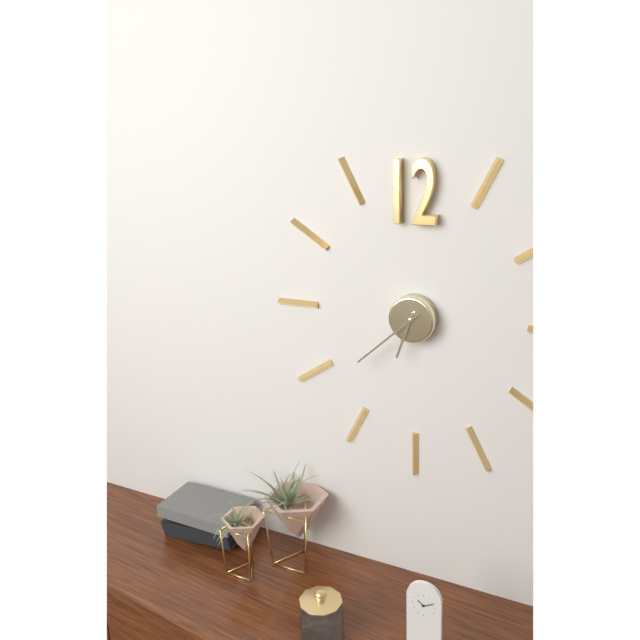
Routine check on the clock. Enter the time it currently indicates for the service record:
6:38
